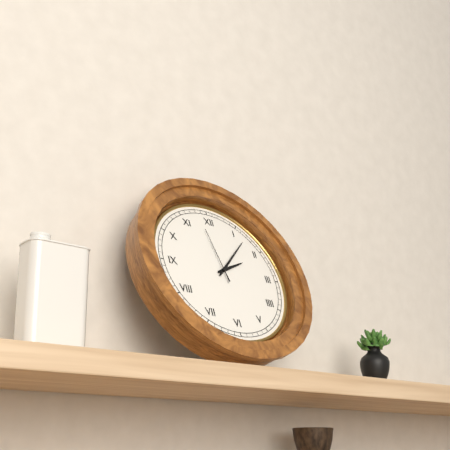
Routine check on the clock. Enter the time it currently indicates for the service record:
2:07:58
